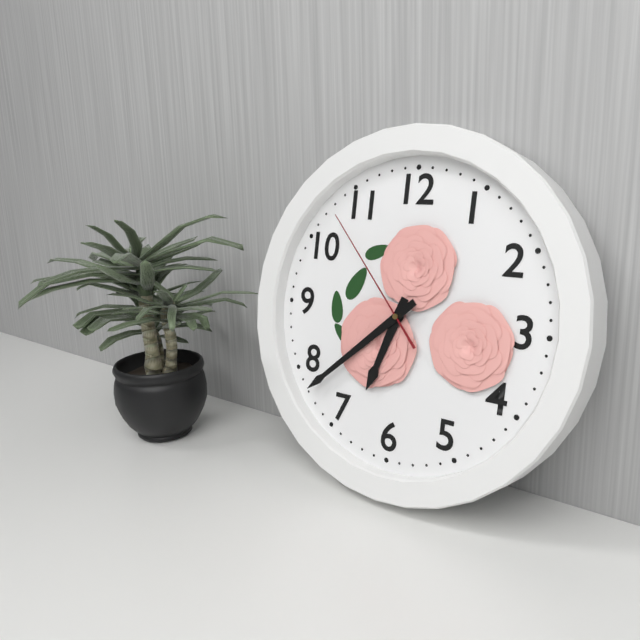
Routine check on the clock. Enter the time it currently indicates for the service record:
6:38:53
